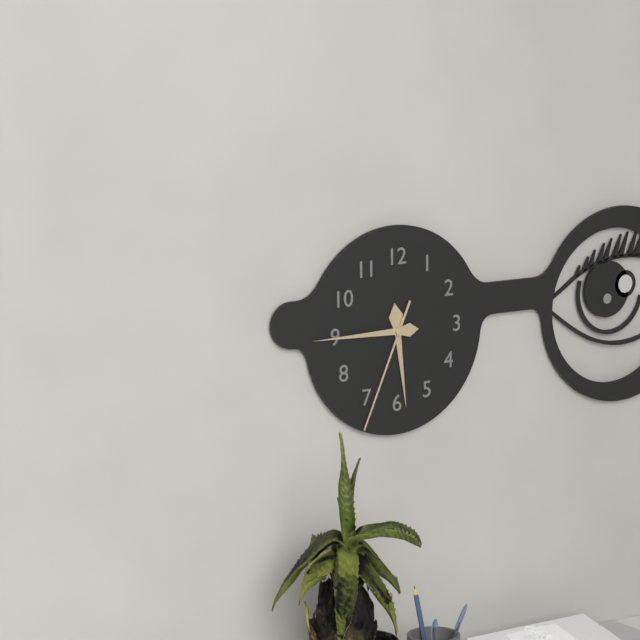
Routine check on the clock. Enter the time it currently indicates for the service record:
5:45:34
